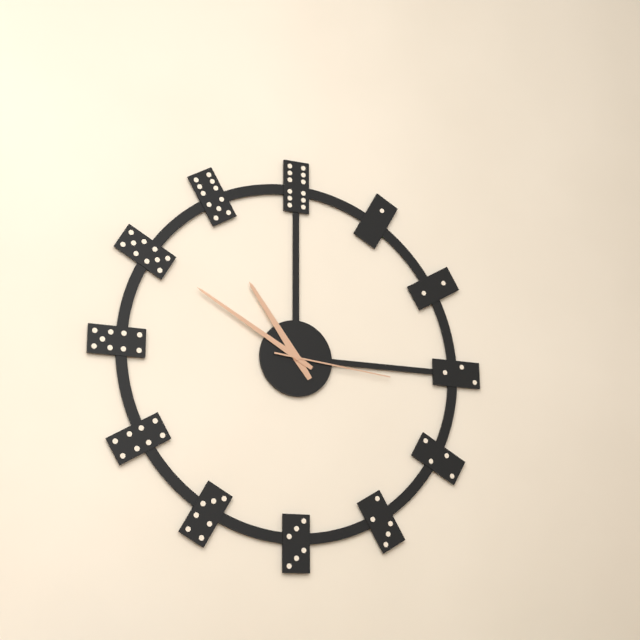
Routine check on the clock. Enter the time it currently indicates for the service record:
10:50:16
